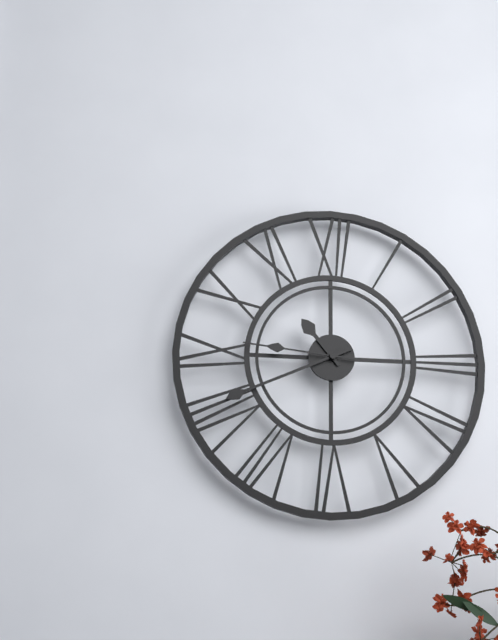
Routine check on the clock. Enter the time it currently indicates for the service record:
10:41:46
